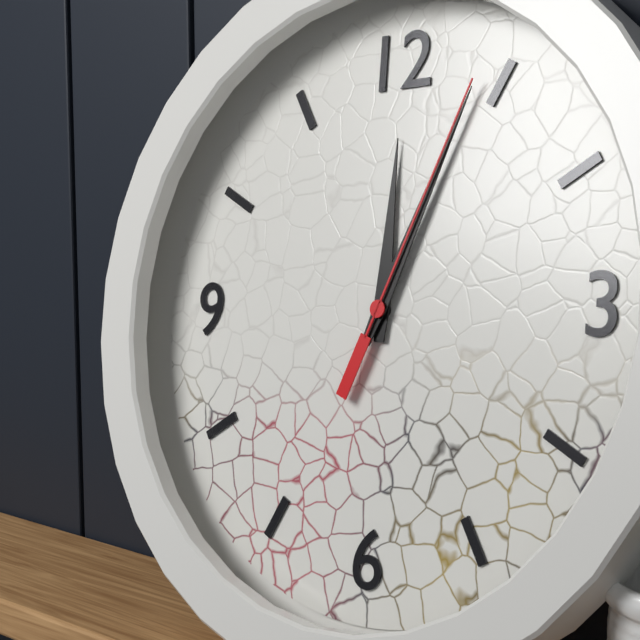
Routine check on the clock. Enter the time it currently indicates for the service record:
12:04:04
